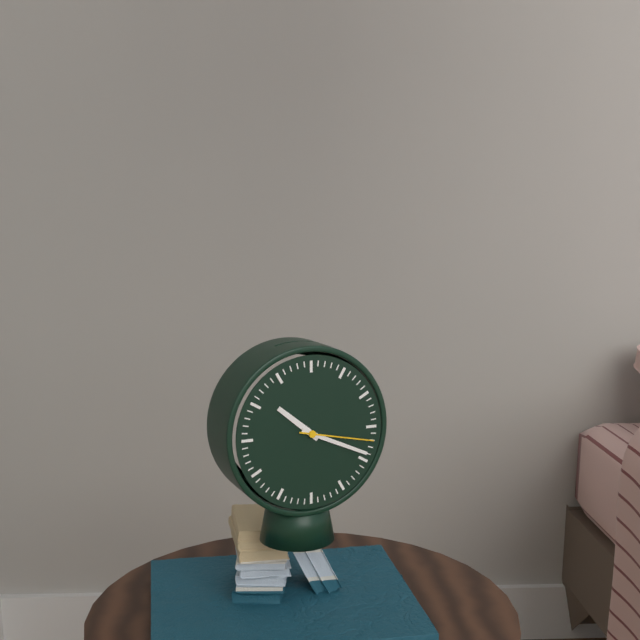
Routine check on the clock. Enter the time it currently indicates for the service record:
10:19:17
